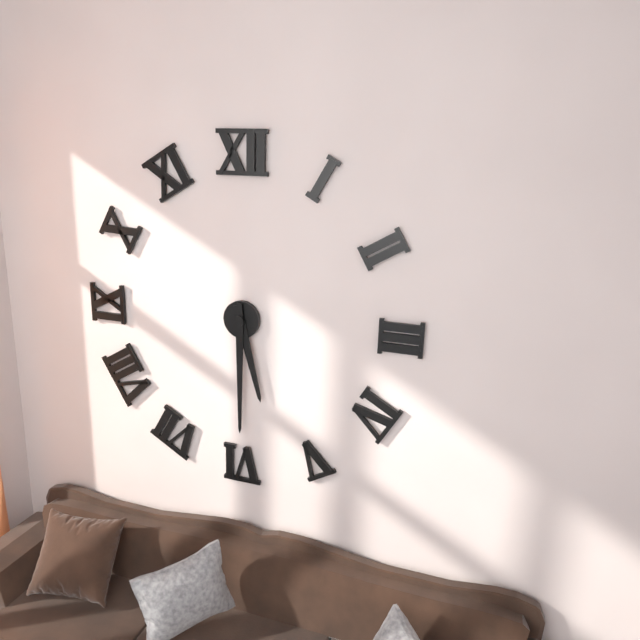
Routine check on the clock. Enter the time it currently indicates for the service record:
5:30
